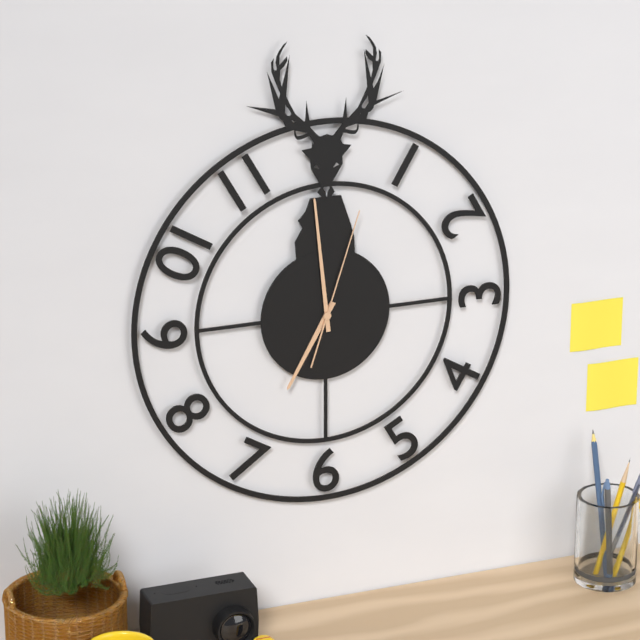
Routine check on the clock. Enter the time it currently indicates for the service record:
6:59:03
